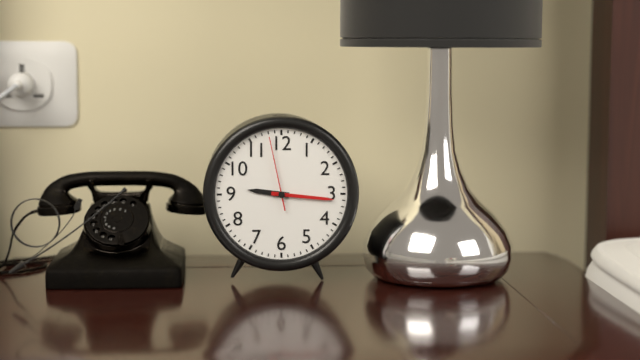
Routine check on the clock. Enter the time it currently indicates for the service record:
9:16:58
